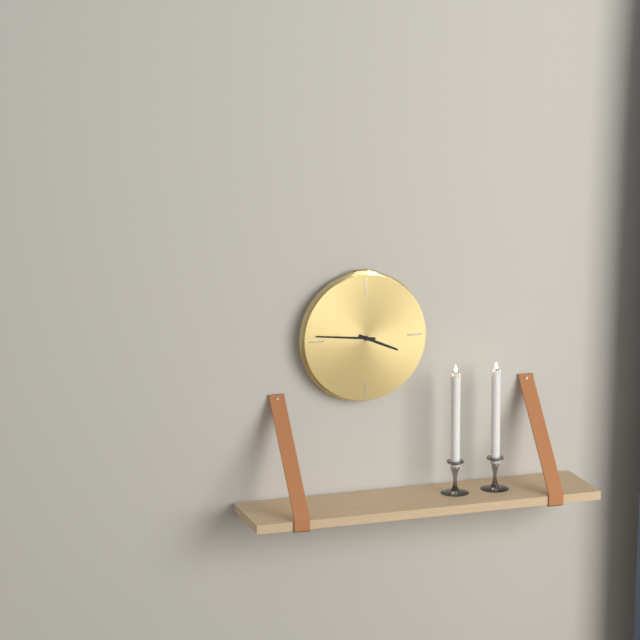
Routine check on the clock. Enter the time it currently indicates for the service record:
3:46
